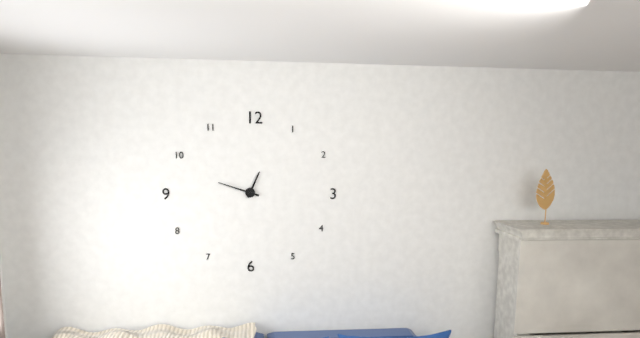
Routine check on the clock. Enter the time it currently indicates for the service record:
12:48
